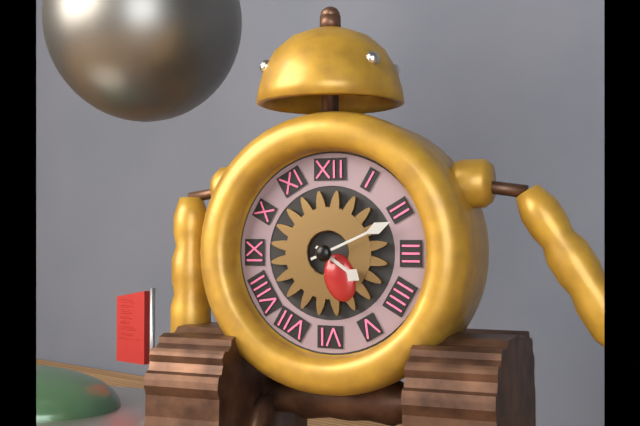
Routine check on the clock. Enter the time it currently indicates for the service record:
4:11
